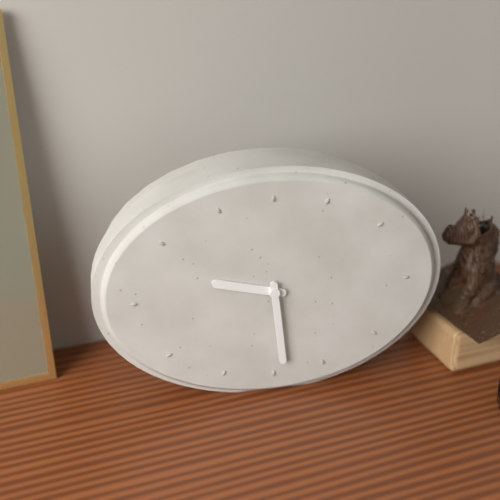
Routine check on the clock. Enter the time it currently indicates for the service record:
9:29
